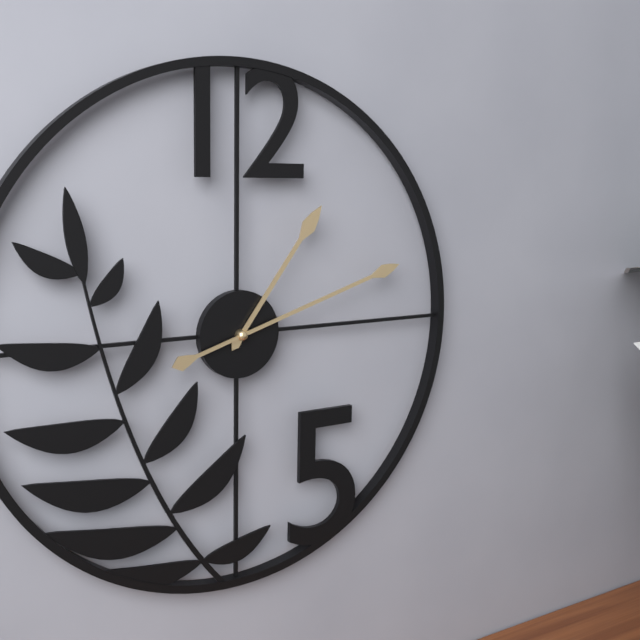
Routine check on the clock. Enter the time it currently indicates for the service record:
1:12
